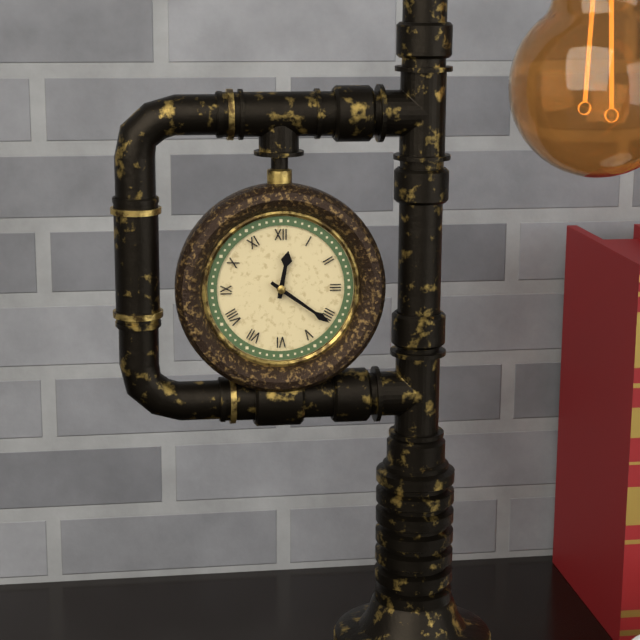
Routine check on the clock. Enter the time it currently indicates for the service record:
12:21
